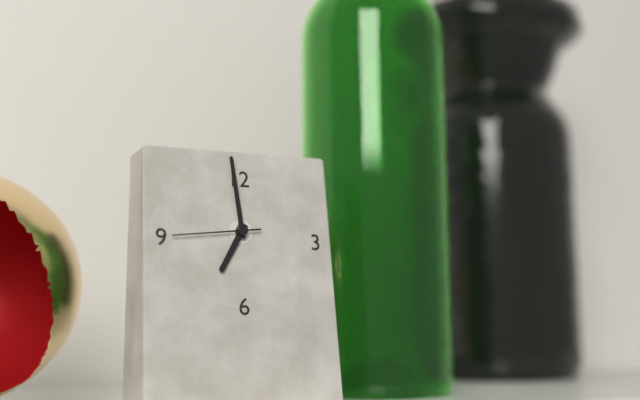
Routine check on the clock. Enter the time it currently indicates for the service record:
6:59:44
